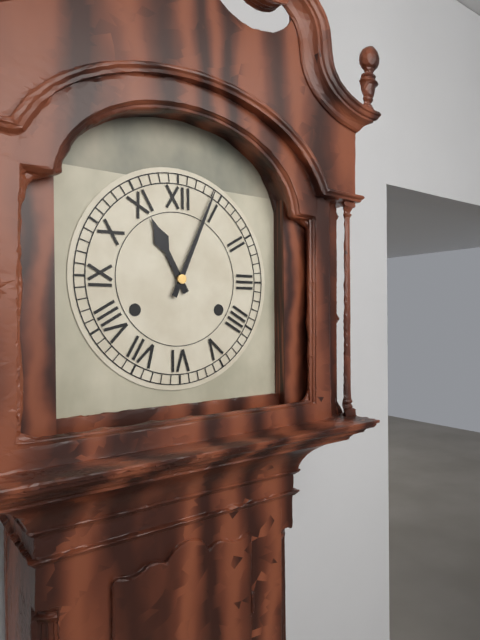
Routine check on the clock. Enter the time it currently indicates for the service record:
11:04
